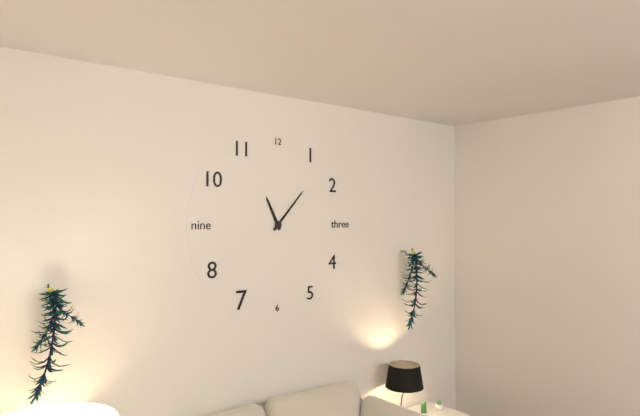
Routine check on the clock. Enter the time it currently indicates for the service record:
11:07
